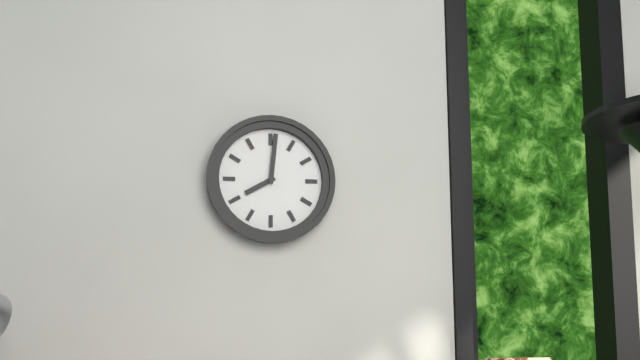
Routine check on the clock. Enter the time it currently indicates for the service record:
8:01
